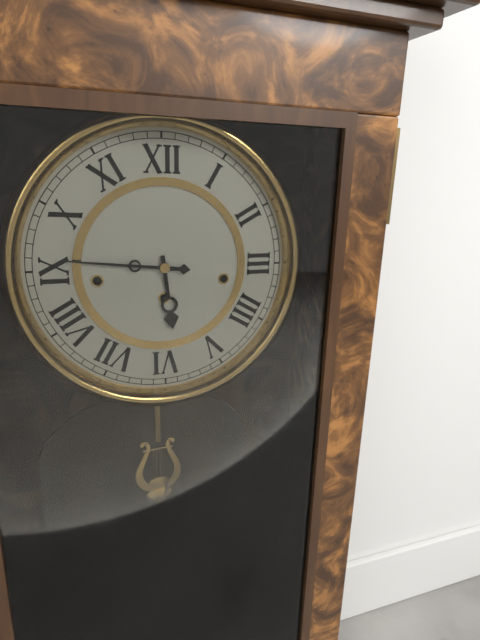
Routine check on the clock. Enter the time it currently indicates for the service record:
5:46
